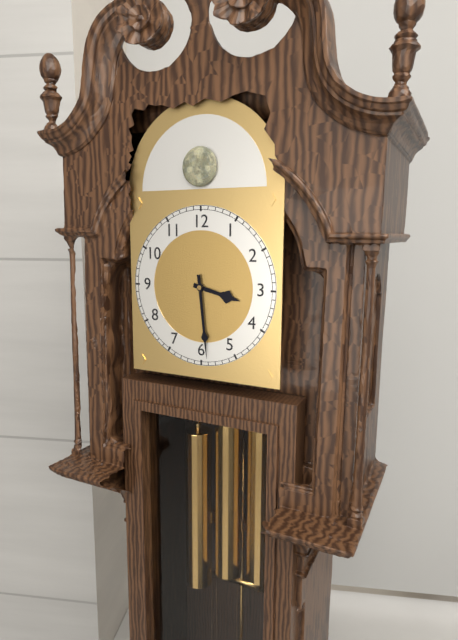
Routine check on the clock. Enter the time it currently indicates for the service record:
3:29
